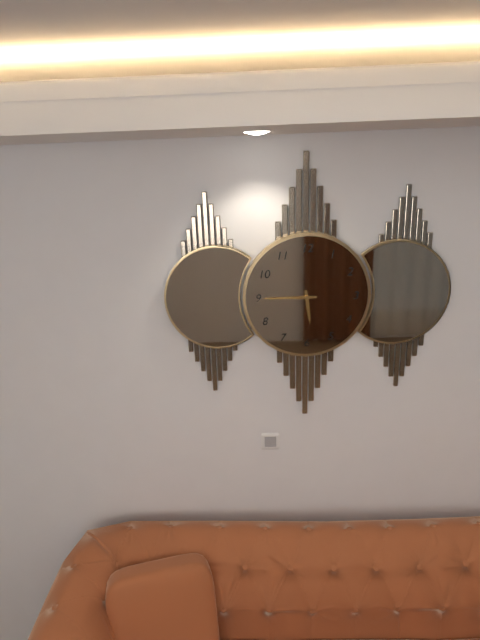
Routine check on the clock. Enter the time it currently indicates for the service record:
5:45
